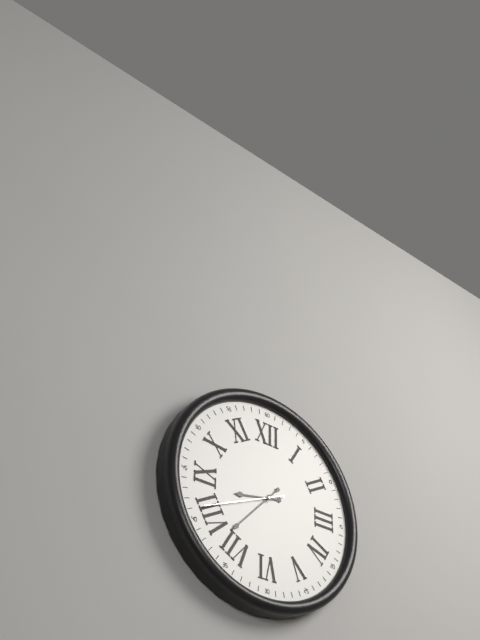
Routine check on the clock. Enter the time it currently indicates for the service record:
8:37:41
